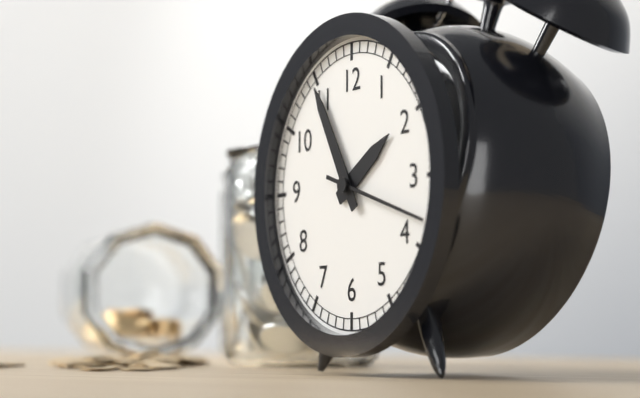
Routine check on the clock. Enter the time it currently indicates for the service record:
1:55:18
